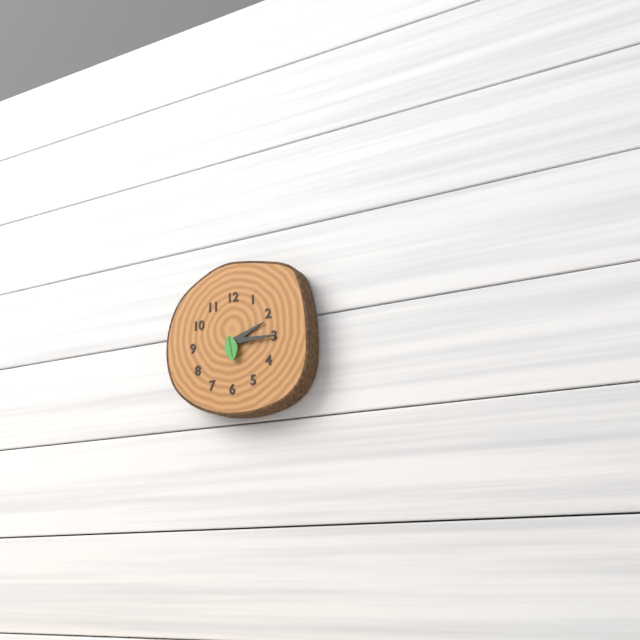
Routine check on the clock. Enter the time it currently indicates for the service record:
2:15
